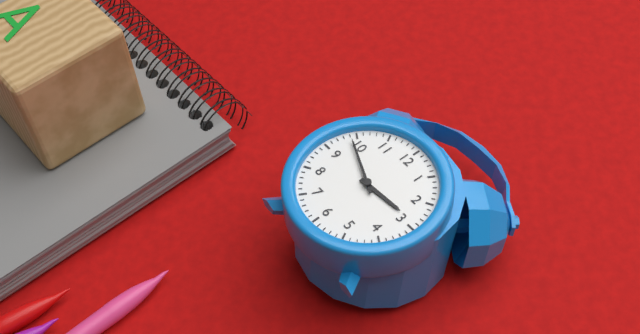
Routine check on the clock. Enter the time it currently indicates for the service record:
2:49
